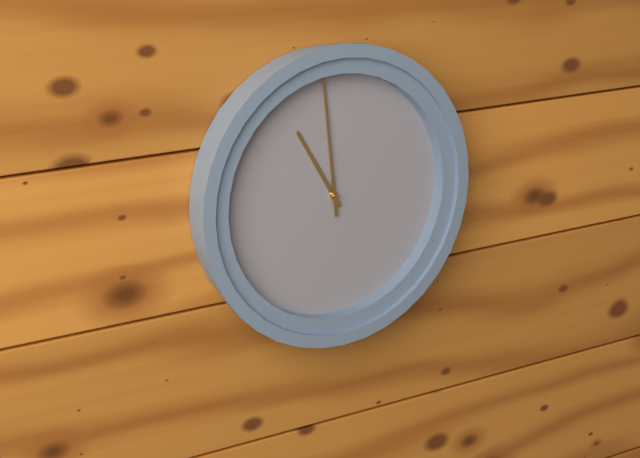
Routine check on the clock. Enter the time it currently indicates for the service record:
10:59
